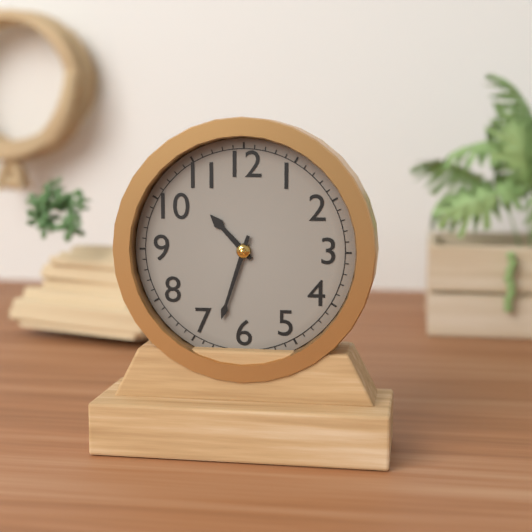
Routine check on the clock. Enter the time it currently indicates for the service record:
10:33
